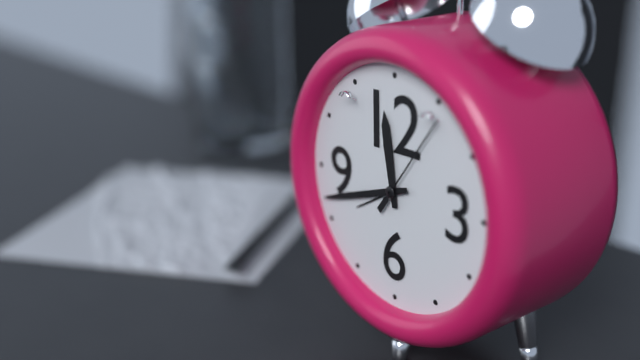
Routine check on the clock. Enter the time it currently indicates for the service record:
11:42:06
